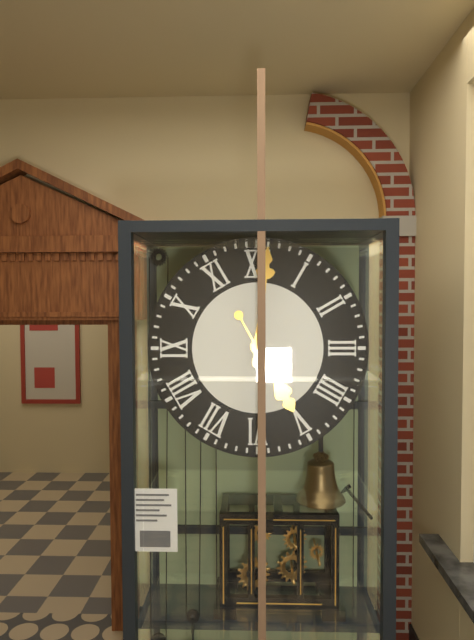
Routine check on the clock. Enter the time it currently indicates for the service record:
5:01
